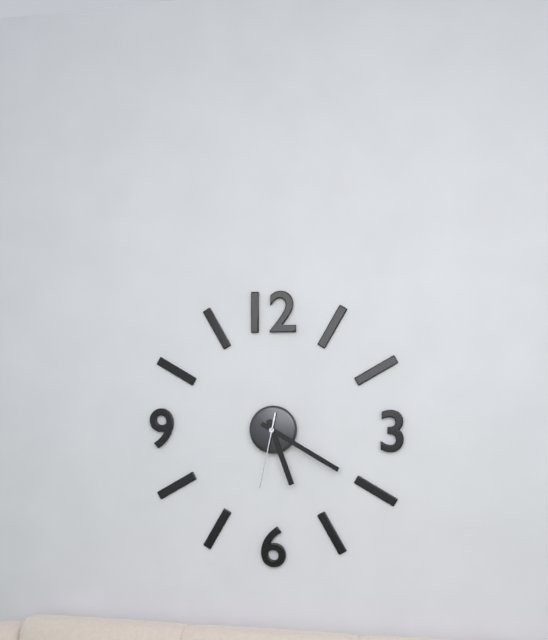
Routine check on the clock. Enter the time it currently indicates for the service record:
5:20:32
